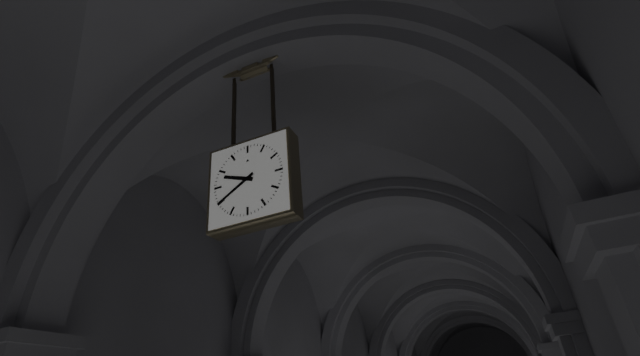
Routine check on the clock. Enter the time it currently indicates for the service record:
9:40
